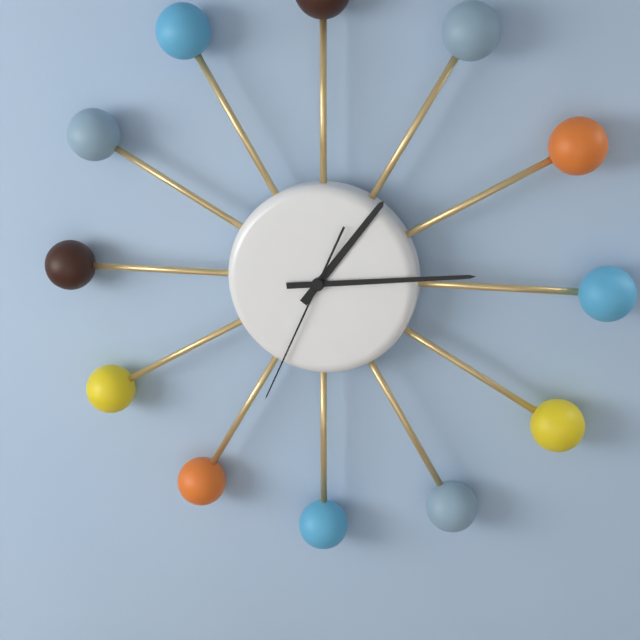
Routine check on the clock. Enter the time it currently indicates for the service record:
1:14:34
